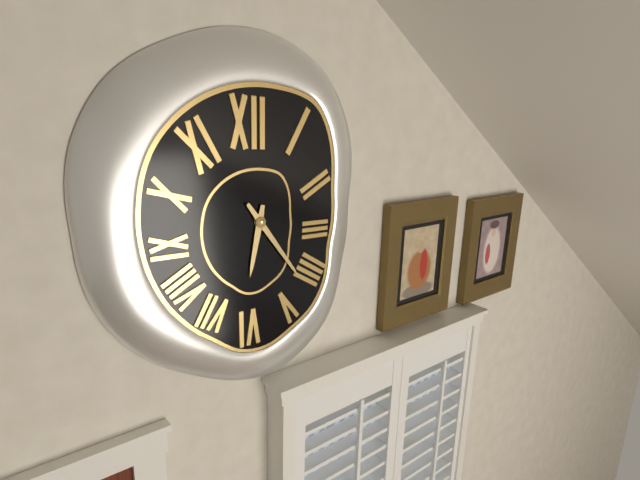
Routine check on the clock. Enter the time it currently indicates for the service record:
6:24
